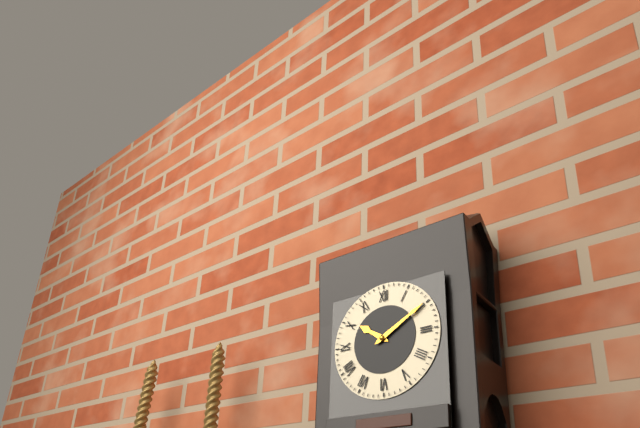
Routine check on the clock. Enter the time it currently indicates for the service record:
10:10
